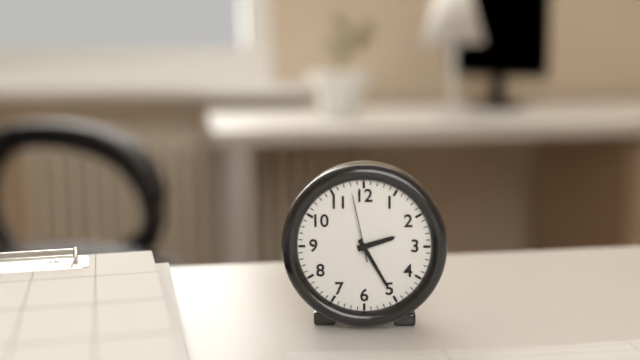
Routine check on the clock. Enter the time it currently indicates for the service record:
2:25:58
